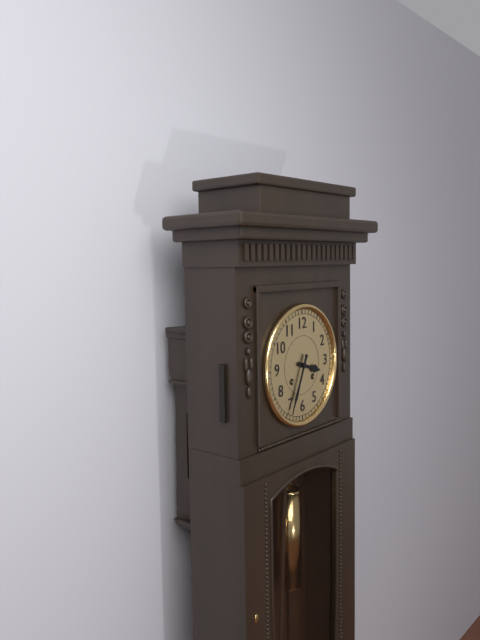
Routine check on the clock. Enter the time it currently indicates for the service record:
3:34
